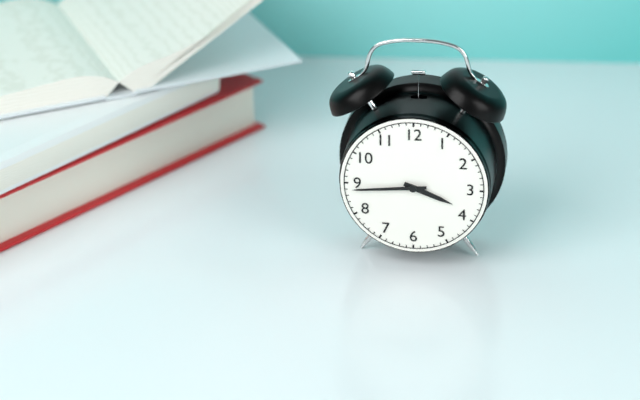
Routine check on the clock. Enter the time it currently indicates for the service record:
3:44
